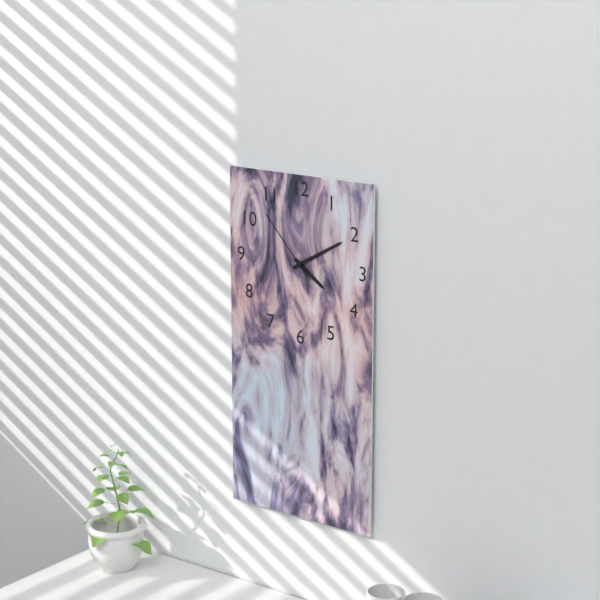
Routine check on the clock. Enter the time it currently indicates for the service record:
4:10:53
